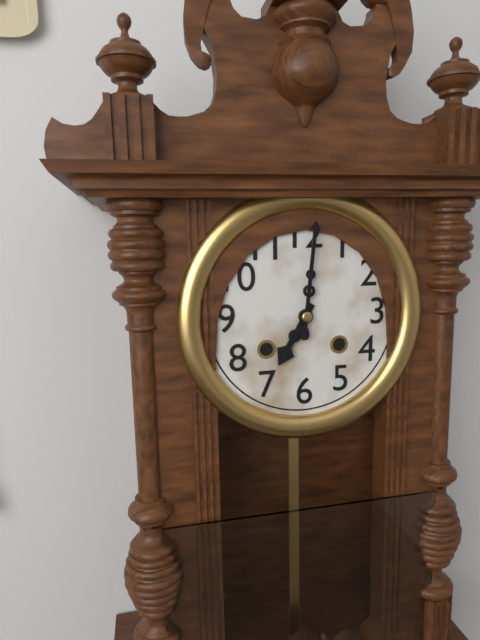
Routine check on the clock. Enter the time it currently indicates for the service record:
7:01
